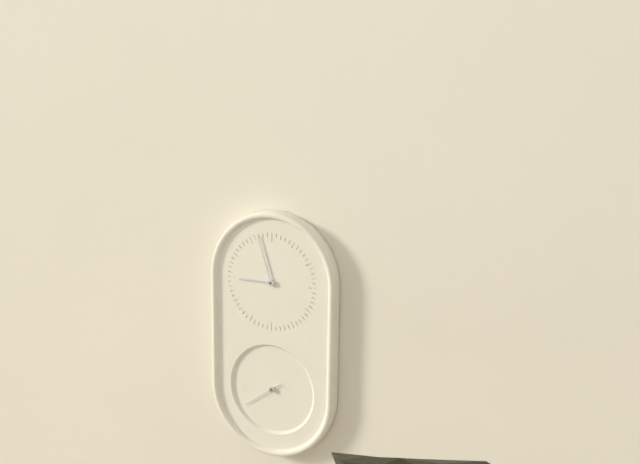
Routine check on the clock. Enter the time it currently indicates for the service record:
8:57
